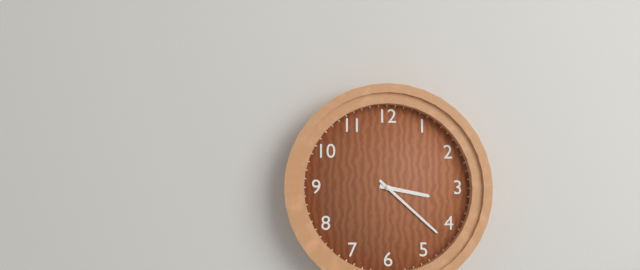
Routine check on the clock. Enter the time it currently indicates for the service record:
3:22
